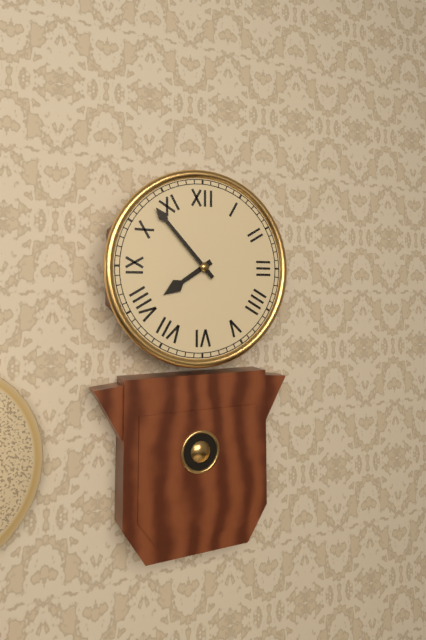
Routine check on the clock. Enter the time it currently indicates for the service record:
7:53
